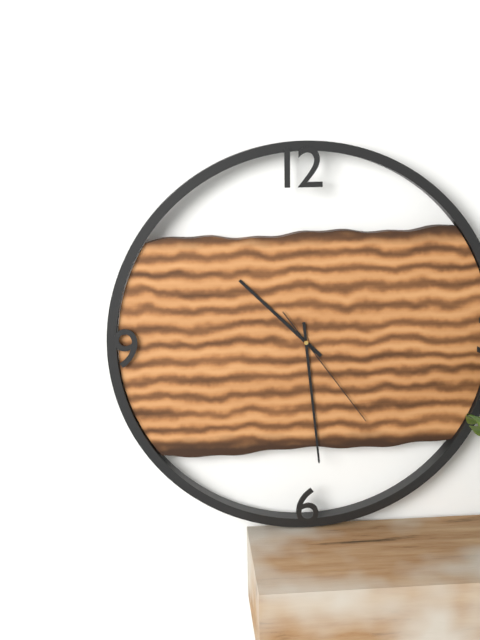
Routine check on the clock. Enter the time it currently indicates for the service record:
10:29:24
